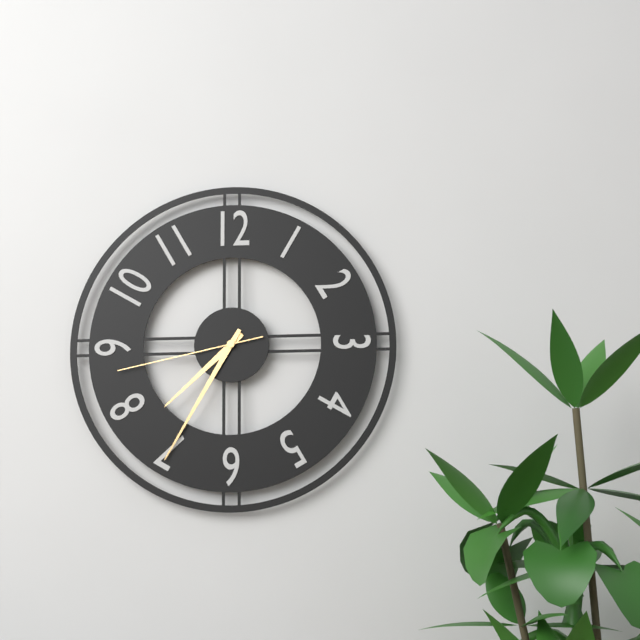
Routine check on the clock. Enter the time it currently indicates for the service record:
7:35:43
